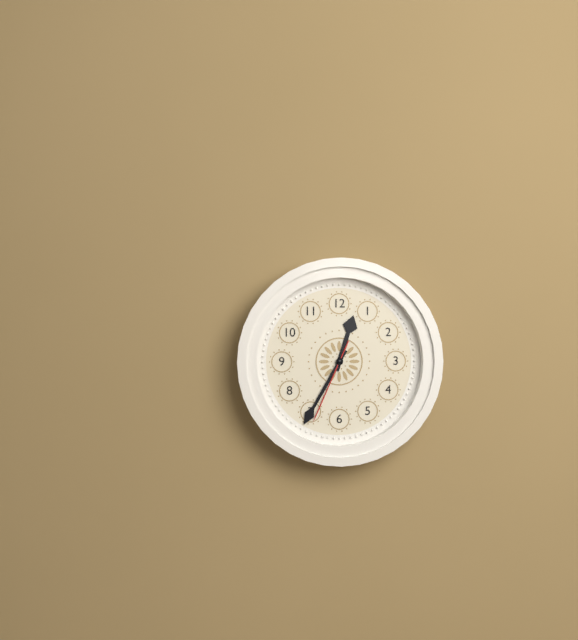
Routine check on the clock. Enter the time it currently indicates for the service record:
12:35:34
